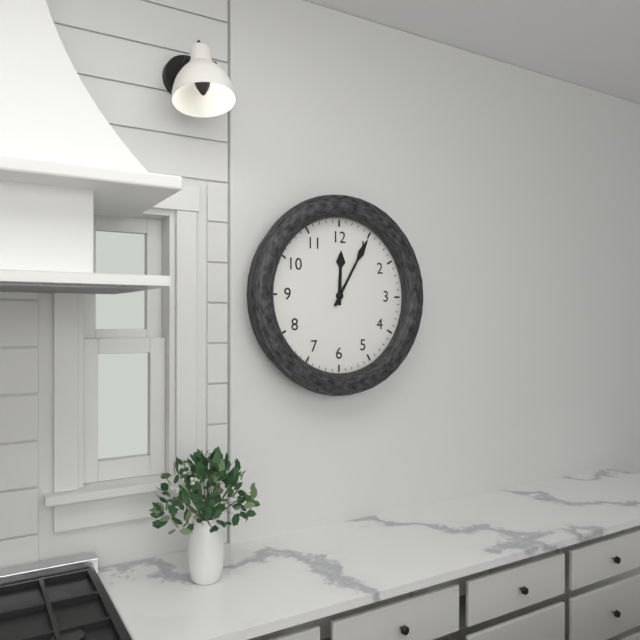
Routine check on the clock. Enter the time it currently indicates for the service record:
12:05
